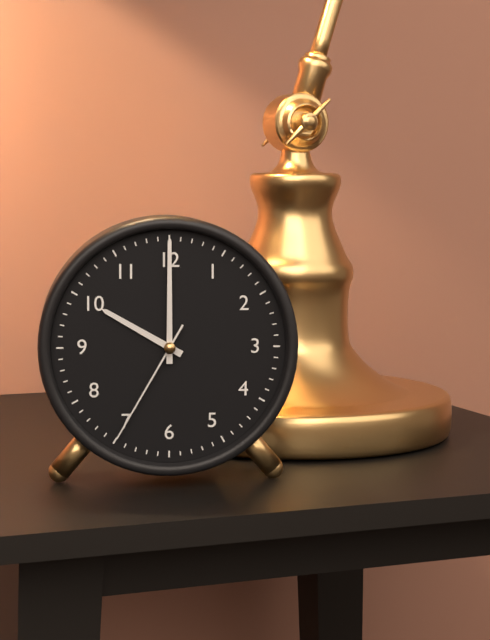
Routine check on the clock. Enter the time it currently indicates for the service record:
10:00:35
